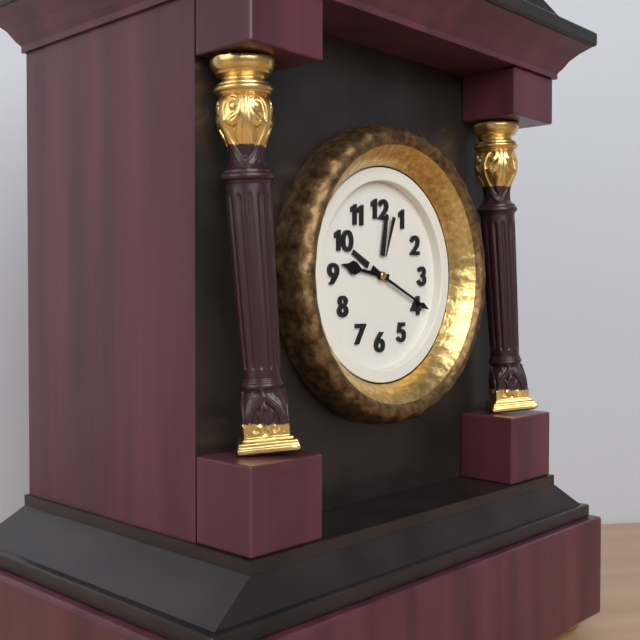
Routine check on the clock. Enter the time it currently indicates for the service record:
9:19
